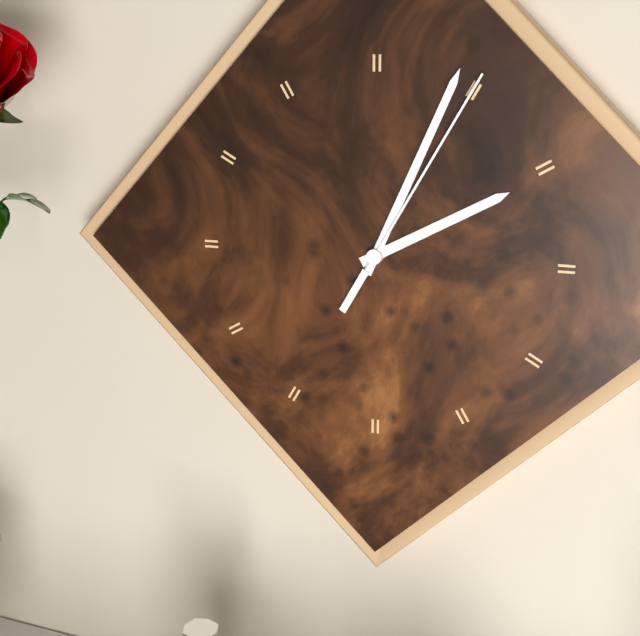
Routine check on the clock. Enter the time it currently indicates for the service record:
2:04:05
